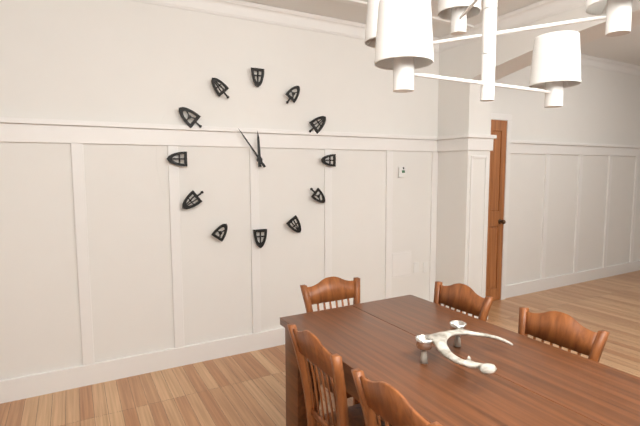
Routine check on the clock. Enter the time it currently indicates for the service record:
11:54
